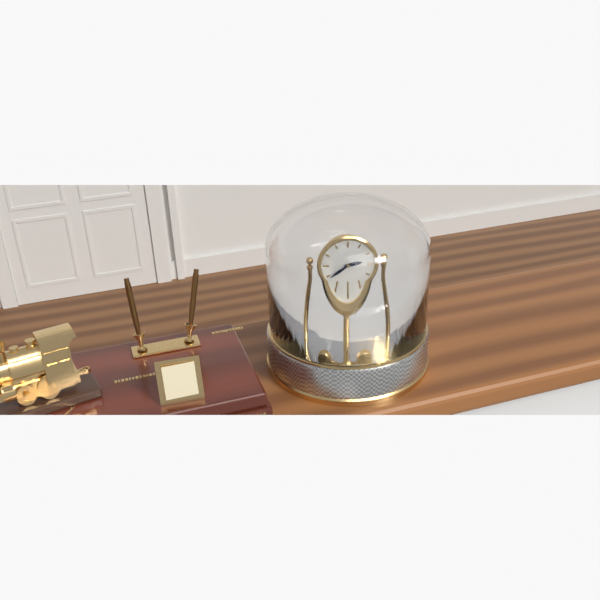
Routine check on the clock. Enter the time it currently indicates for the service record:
2:39
